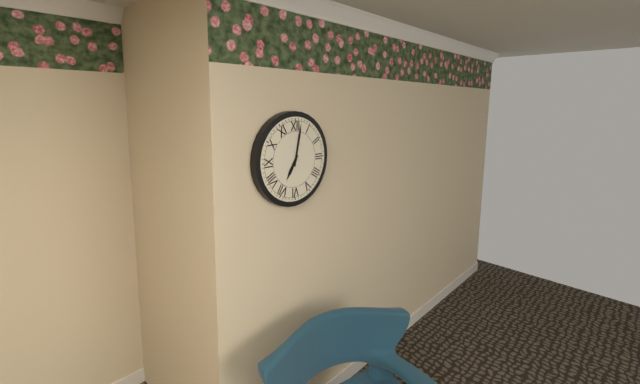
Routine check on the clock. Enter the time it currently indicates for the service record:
7:02
